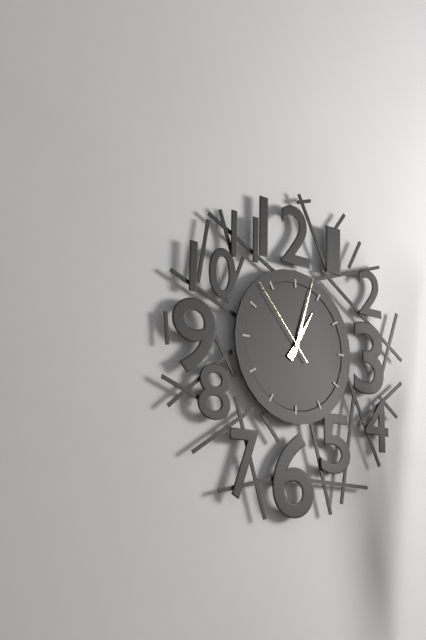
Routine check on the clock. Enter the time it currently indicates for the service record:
1:03:53
